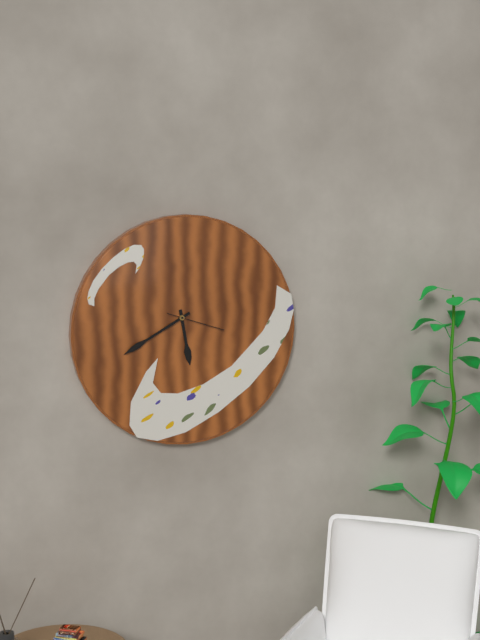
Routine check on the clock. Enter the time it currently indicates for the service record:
5:40:18
